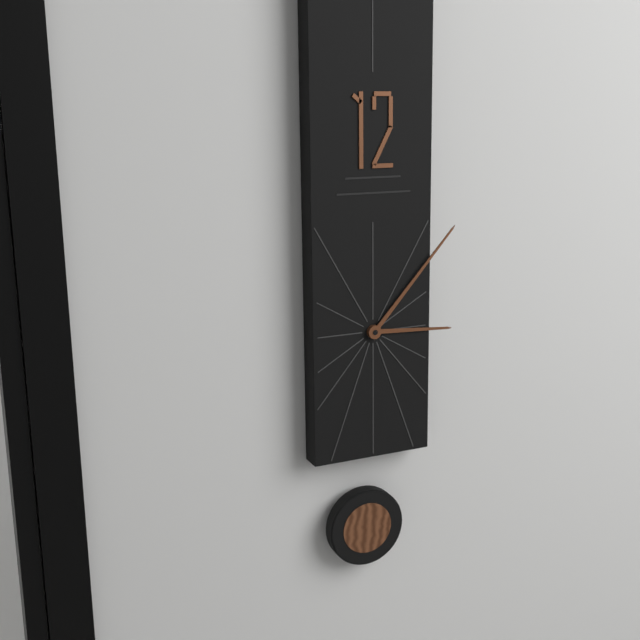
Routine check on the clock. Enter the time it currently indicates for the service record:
3:07
